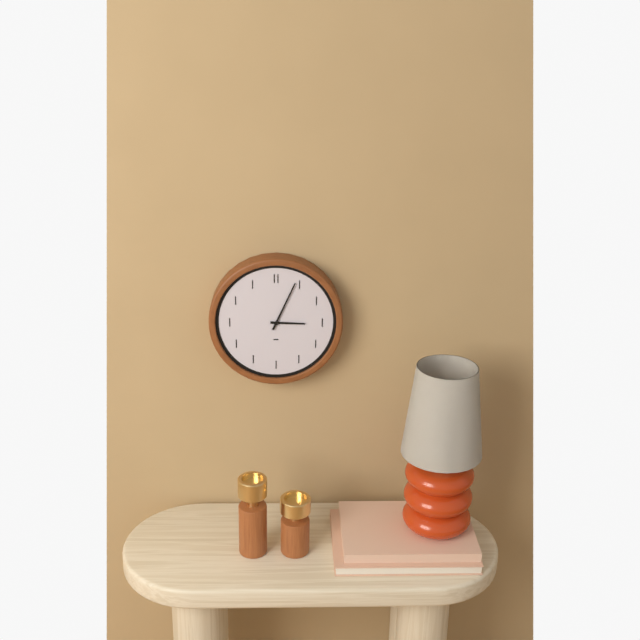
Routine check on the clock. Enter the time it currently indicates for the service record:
3:04
